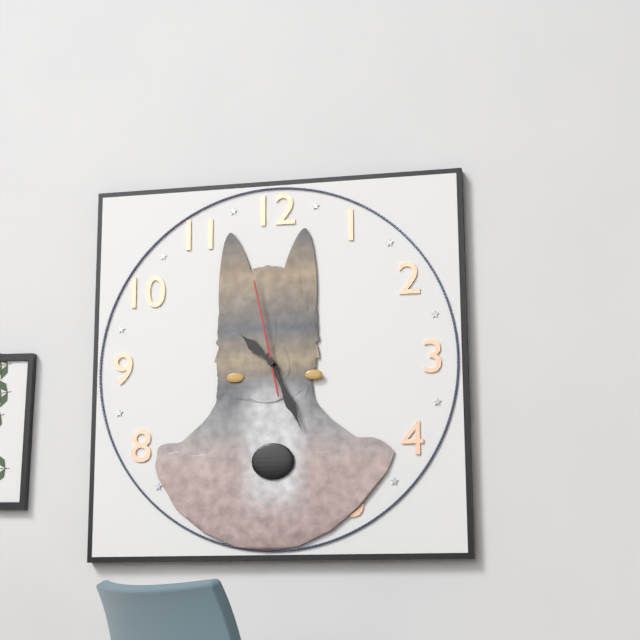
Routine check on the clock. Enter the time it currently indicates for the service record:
10:26:58
